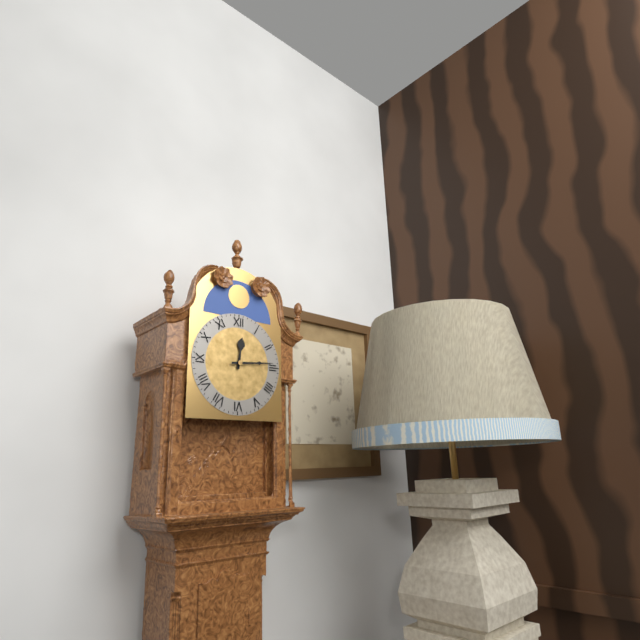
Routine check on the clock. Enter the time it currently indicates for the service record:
12:14
